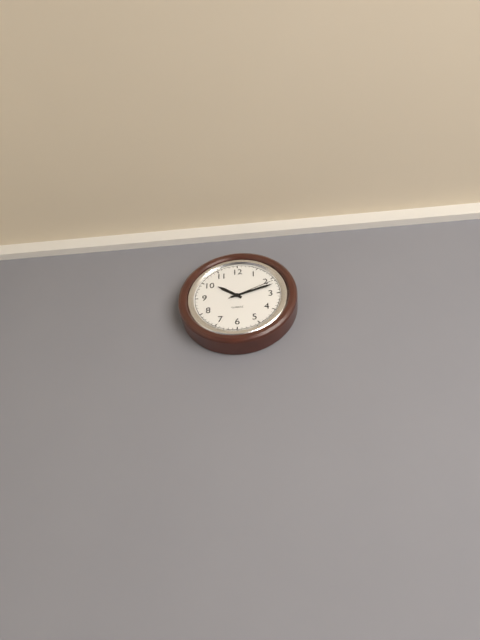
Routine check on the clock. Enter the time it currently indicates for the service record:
10:12
